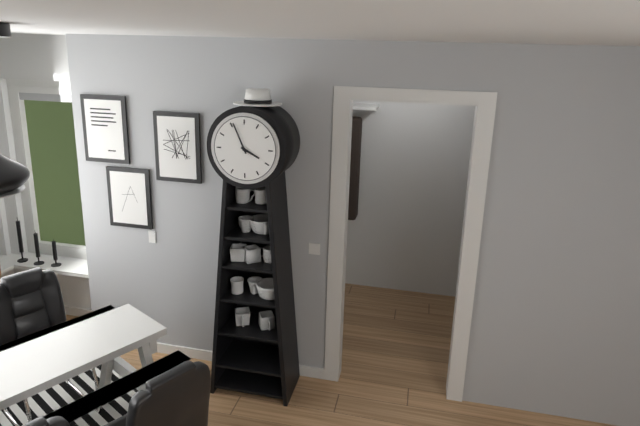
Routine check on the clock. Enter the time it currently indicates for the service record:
3:56
